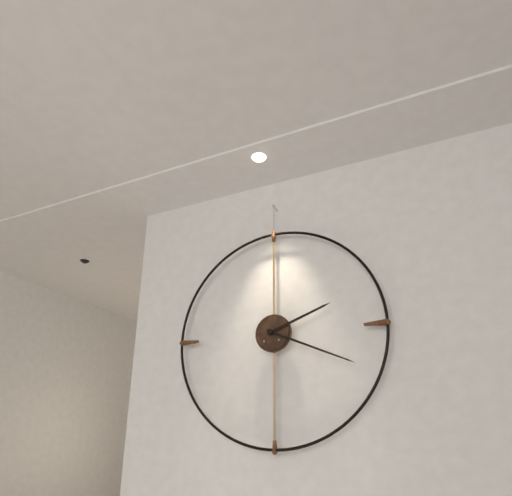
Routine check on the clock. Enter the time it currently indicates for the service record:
2:19
